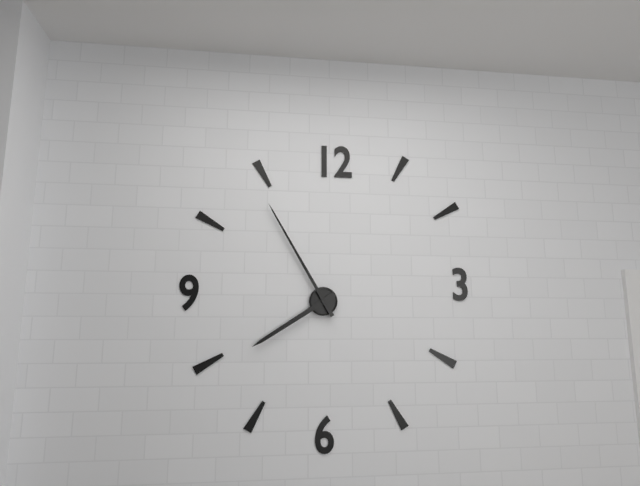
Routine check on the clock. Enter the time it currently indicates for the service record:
7:55
